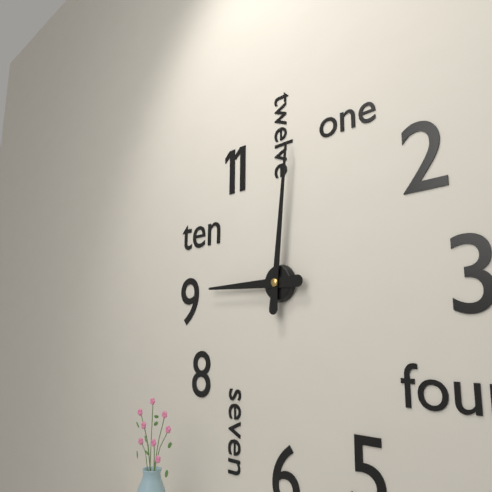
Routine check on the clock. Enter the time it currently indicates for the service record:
9:01
